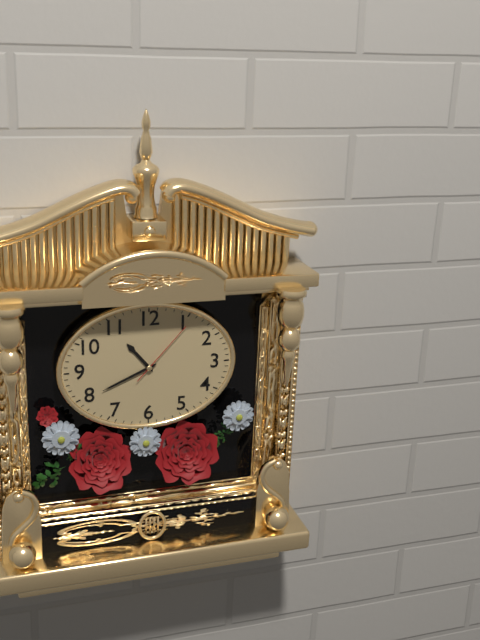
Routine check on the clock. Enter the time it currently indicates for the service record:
10:41:07
